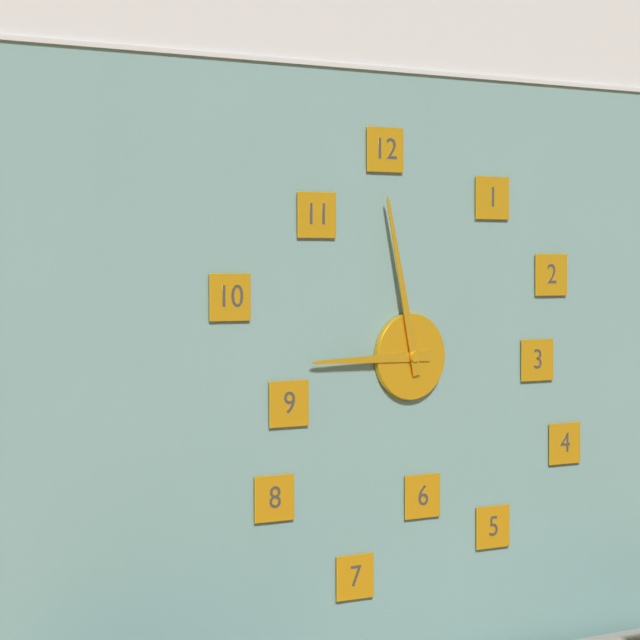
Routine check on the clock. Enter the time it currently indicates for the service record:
8:58
